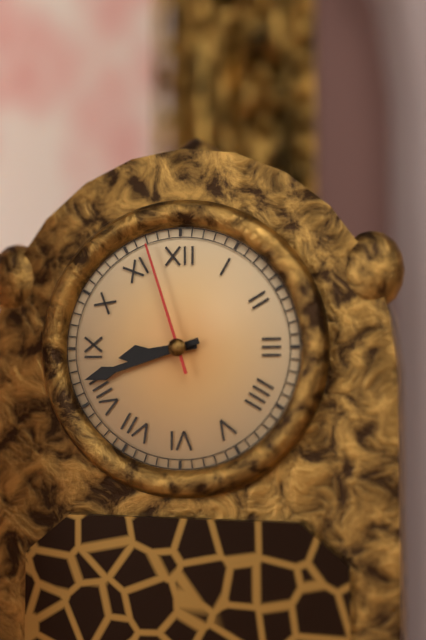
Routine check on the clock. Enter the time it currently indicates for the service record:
8:42:57
